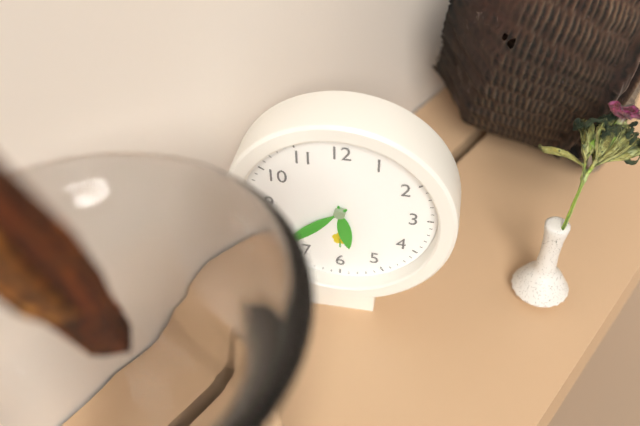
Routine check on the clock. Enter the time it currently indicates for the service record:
5:38
